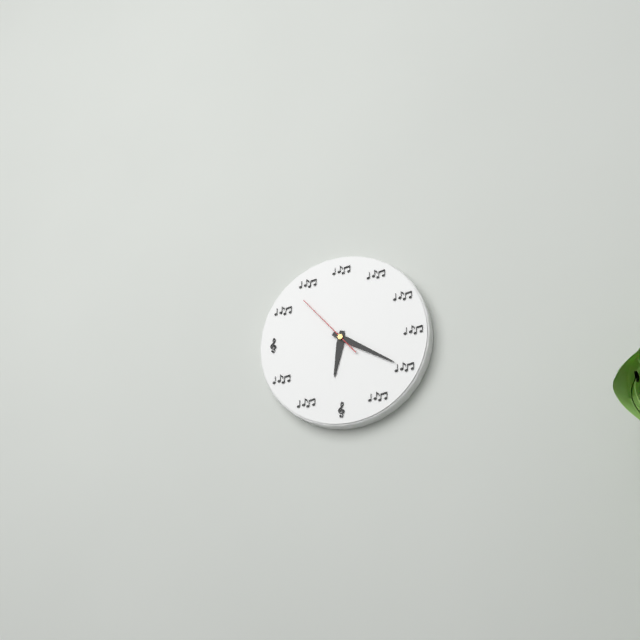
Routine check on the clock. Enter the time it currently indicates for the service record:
6:20:53
